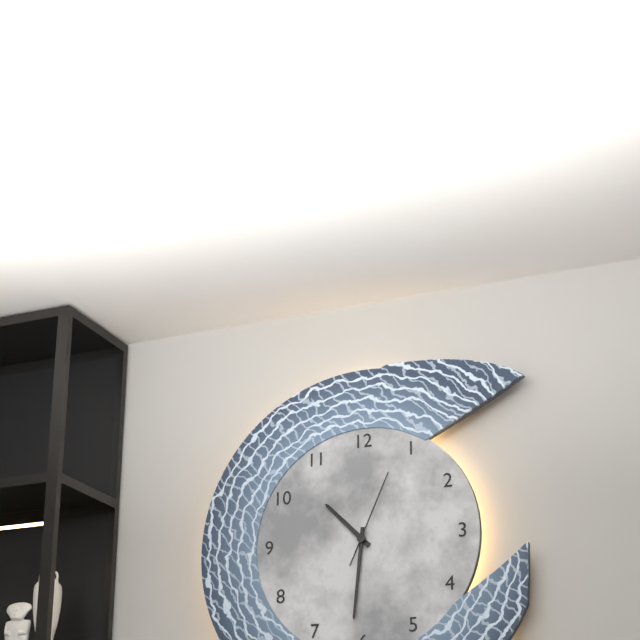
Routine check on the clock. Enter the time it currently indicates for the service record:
10:31:04
